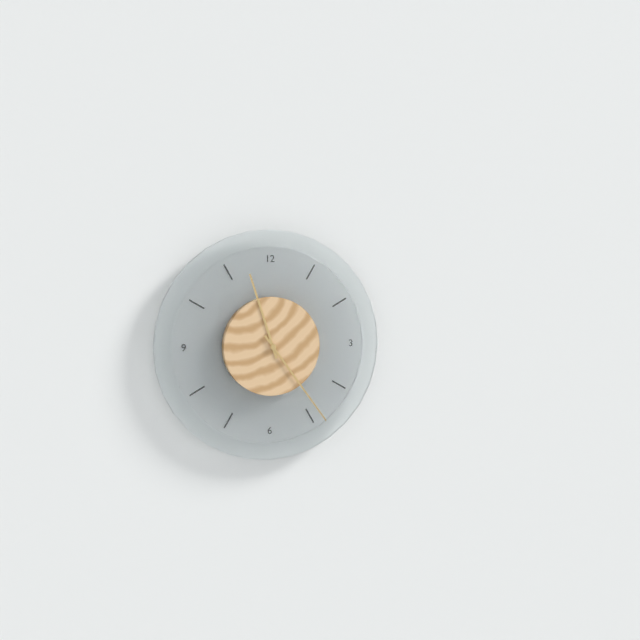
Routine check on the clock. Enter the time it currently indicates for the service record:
11:24
